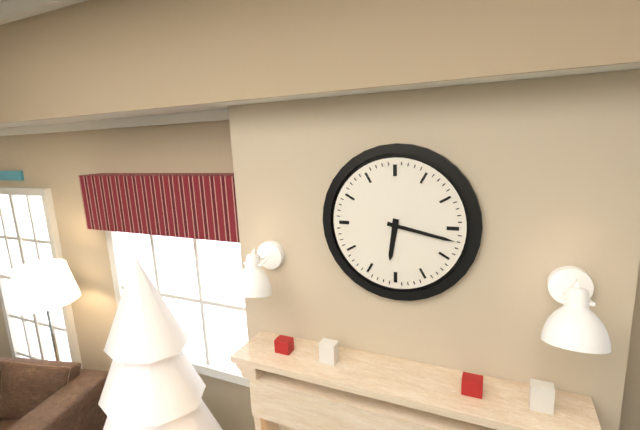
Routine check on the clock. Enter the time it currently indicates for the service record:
6:17
